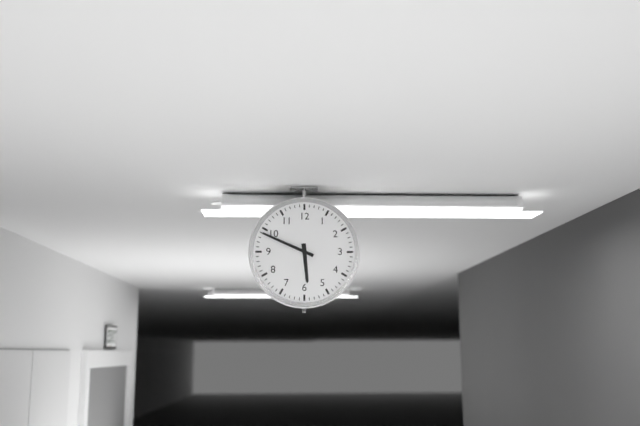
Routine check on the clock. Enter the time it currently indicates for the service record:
5:49
